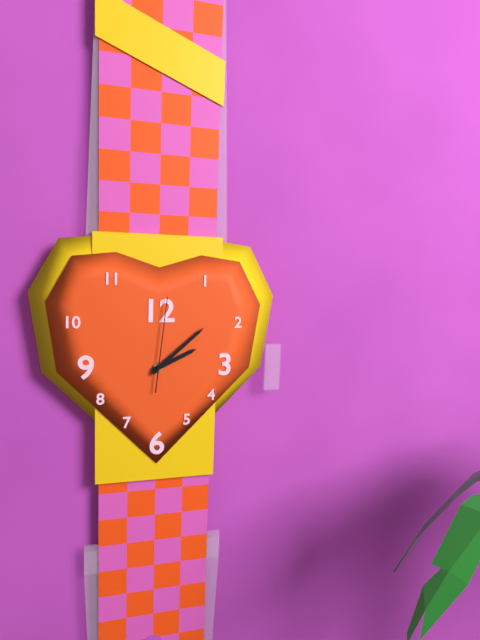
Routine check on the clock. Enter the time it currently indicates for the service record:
2:08:01
